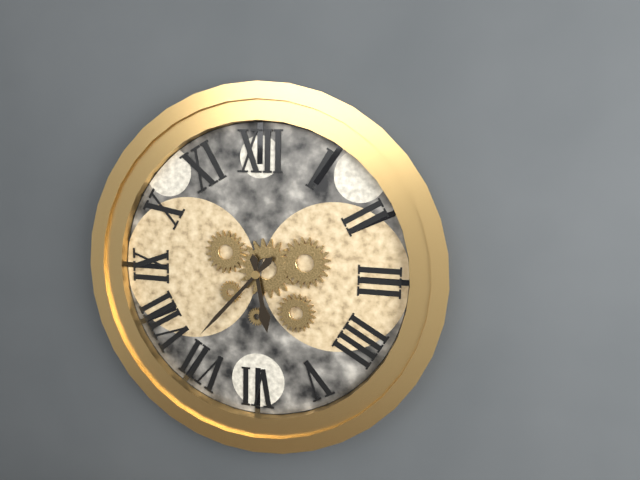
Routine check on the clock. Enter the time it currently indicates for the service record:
5:37
